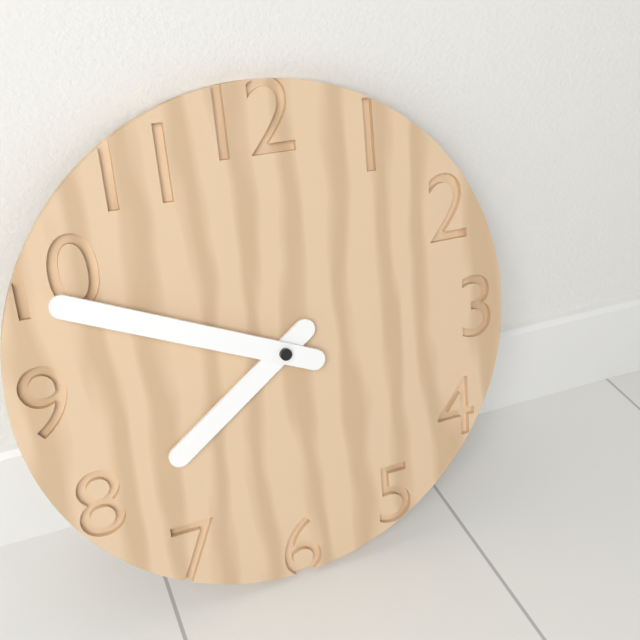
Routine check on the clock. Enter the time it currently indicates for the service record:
7:49
